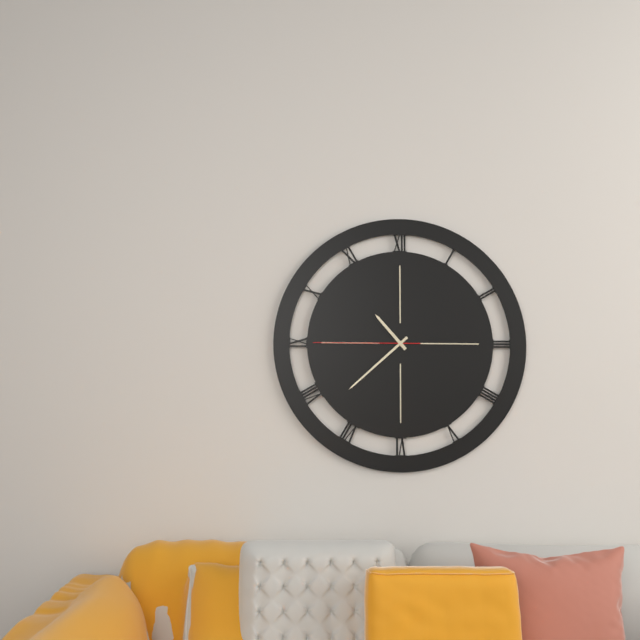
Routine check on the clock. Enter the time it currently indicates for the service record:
10:38:45
